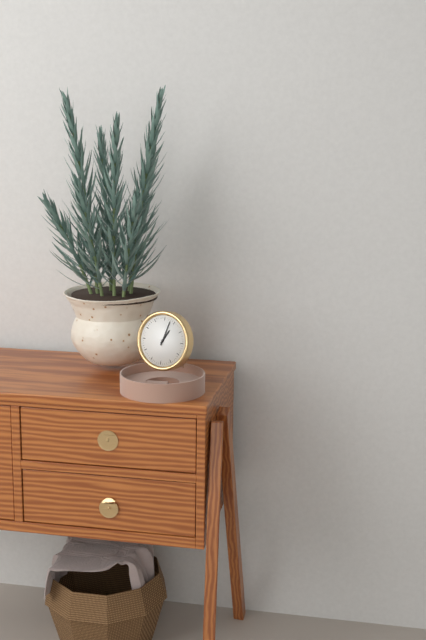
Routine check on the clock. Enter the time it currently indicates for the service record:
1:03
